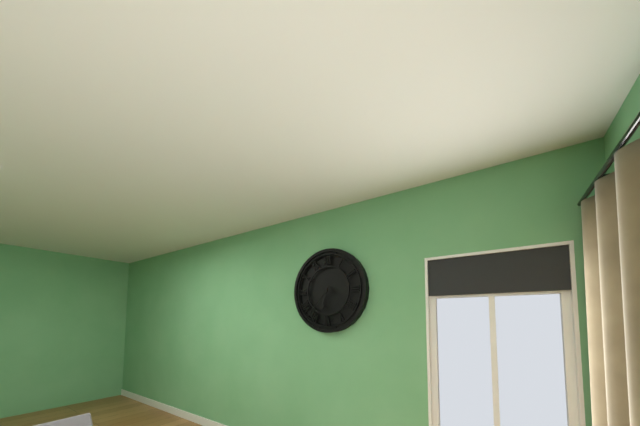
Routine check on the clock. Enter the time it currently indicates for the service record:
6:37
